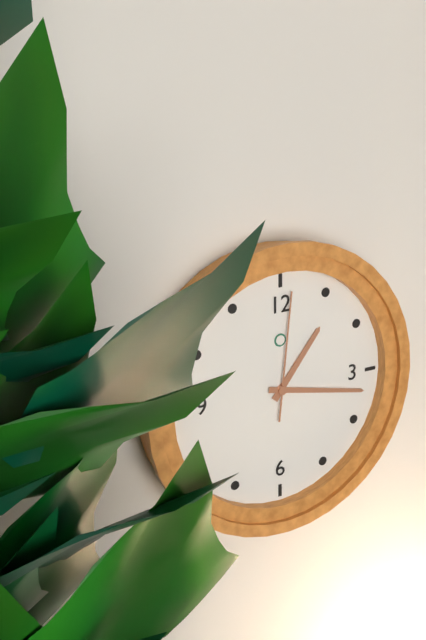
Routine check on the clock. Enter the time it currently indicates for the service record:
1:17:01
